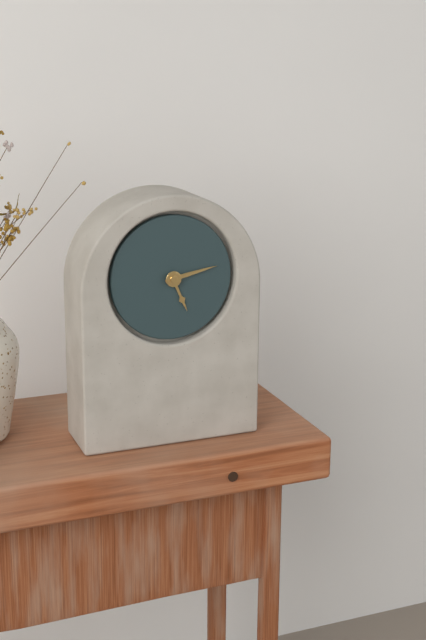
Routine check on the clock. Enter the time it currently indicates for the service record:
5:13
